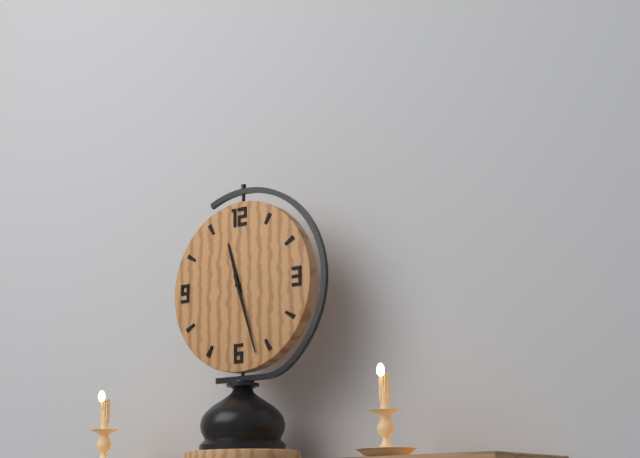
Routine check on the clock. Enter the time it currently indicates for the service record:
11:27
